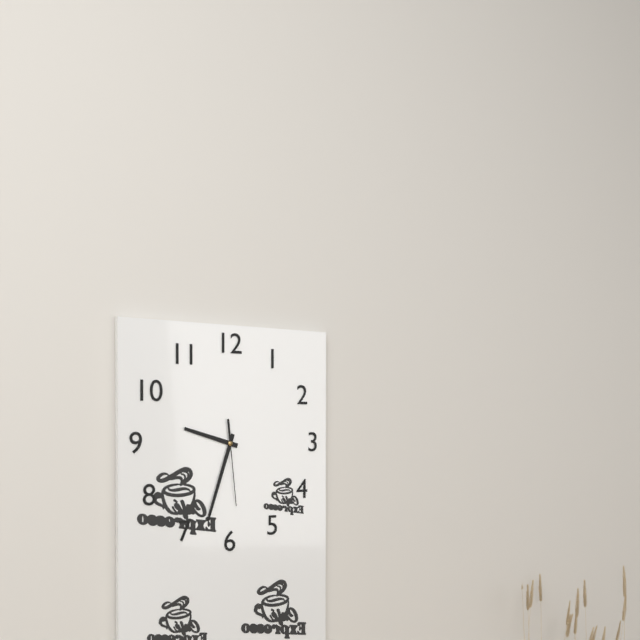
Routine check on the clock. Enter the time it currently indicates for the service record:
9:33:29
